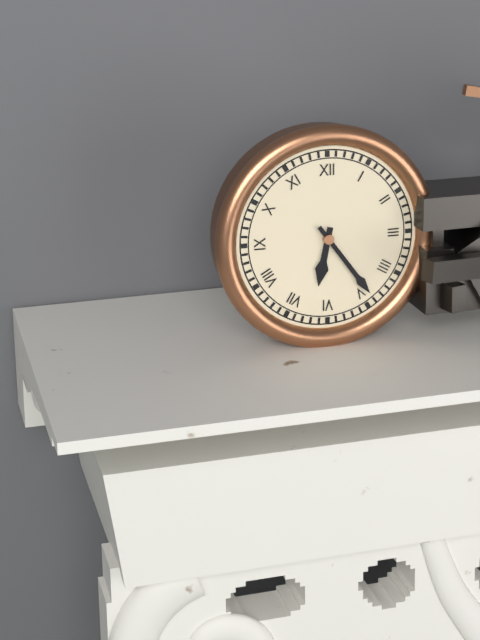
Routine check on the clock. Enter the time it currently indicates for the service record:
6:24
